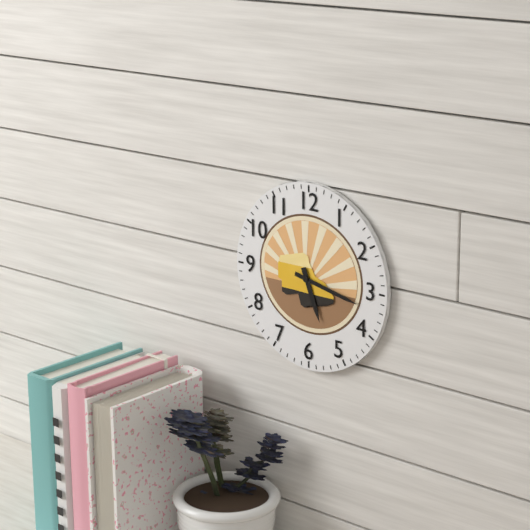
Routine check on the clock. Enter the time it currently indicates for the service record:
5:17
